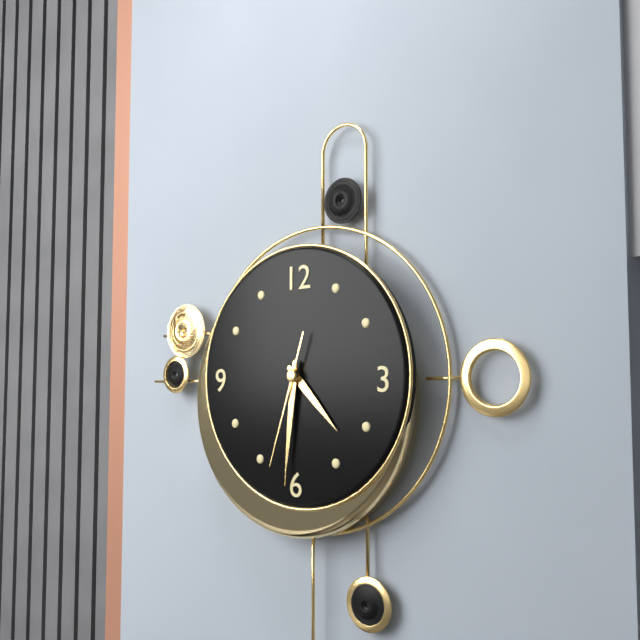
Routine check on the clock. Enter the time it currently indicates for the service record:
4:31:33
